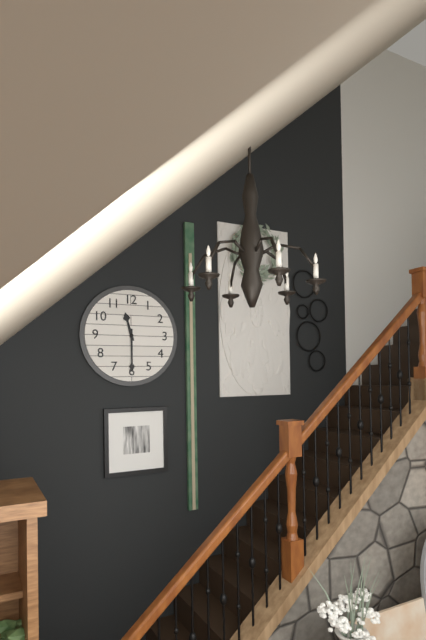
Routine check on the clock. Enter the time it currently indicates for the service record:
11:30
